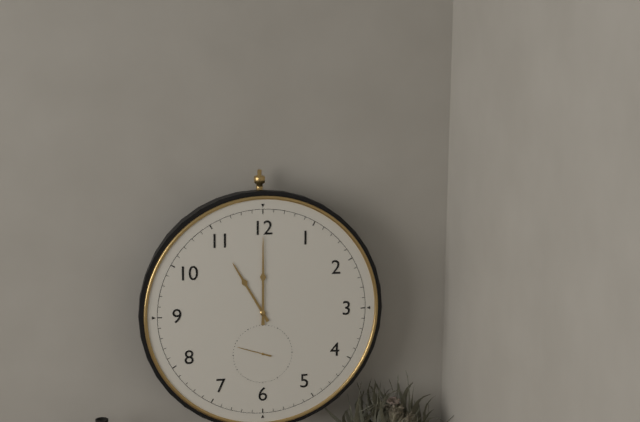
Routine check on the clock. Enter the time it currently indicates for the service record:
11:00
